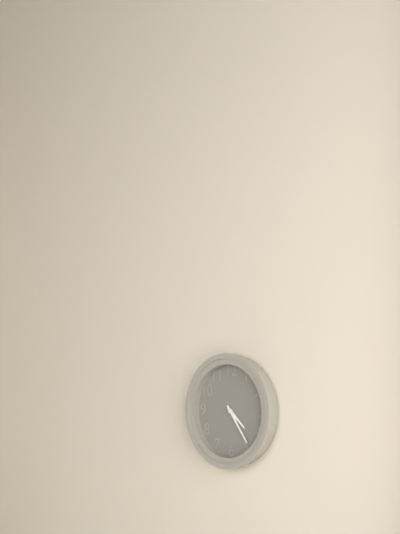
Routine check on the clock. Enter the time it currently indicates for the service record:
4:24
